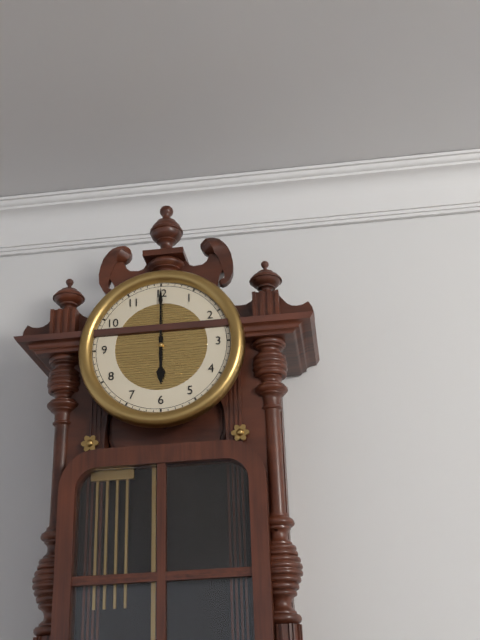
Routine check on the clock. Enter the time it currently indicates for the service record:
6:00
